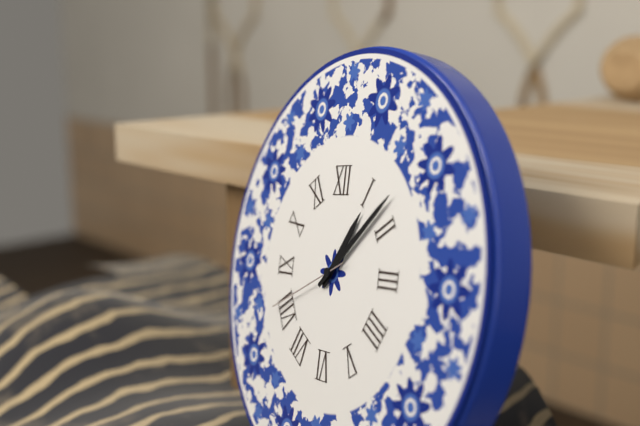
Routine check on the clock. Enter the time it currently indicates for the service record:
1:08:41
